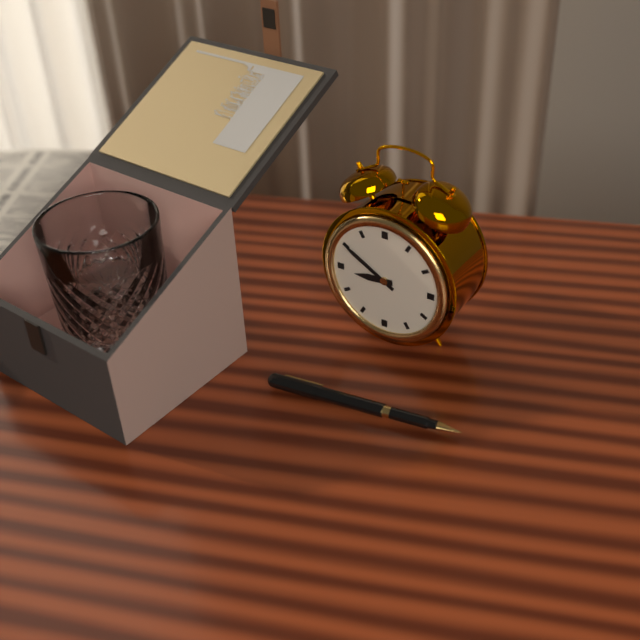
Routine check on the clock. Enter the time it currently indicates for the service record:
8:50
